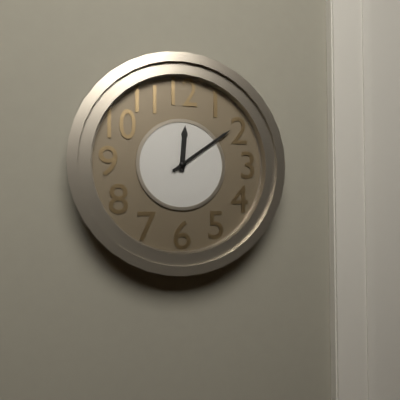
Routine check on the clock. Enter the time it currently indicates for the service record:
12:09
